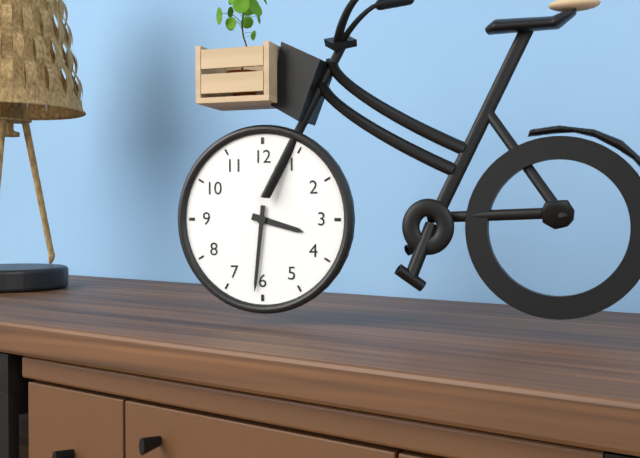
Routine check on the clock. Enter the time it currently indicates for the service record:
3:31
